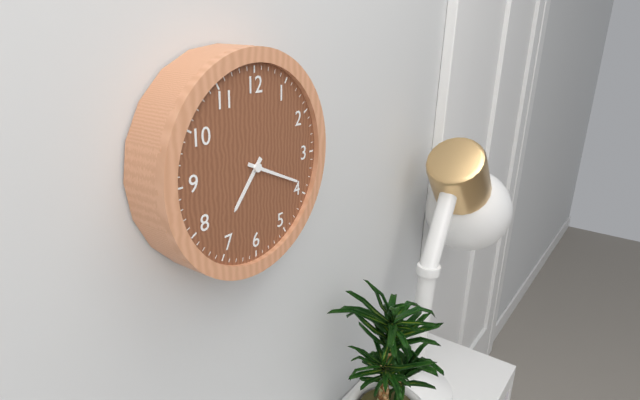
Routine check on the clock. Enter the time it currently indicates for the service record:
7:19
